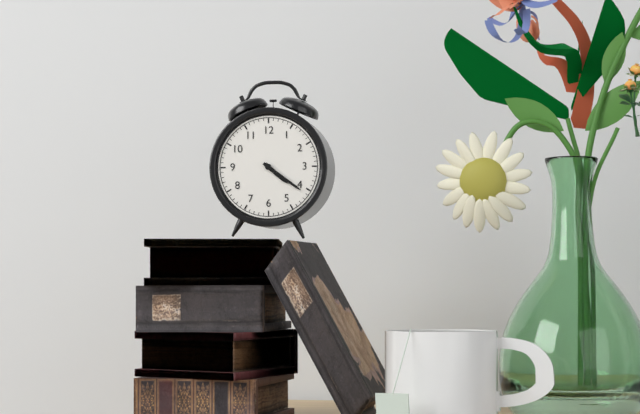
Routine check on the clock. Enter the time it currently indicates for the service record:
4:21
